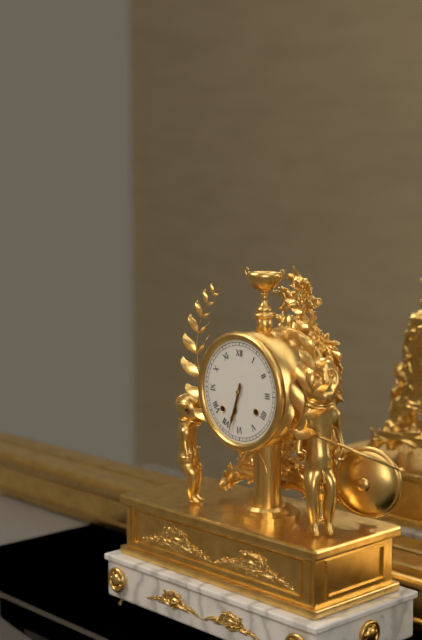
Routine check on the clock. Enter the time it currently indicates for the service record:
6:33
